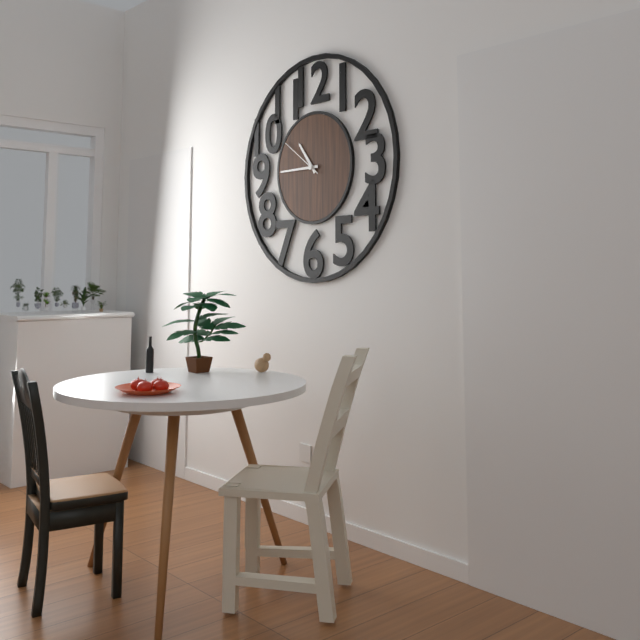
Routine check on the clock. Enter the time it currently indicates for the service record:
10:45
